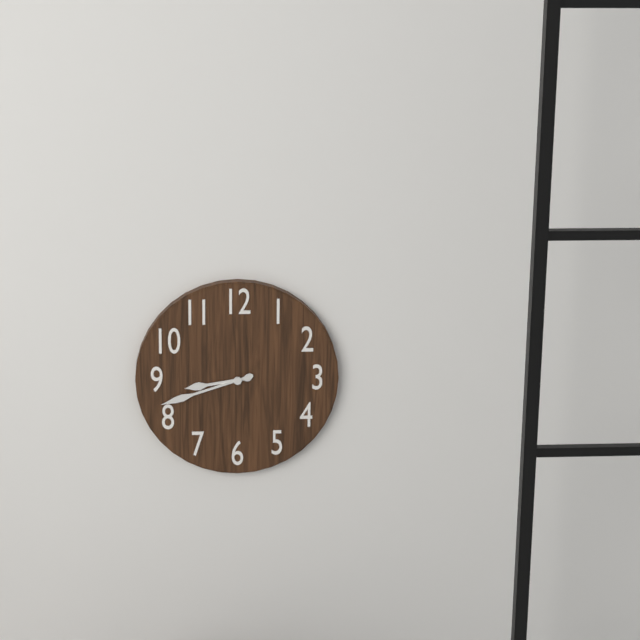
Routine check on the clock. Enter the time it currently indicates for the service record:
8:42
